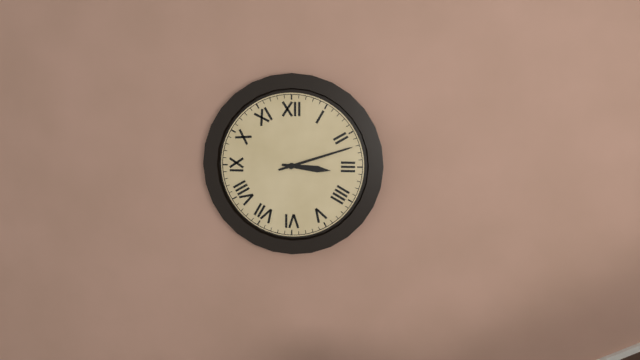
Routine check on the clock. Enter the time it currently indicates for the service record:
3:12
